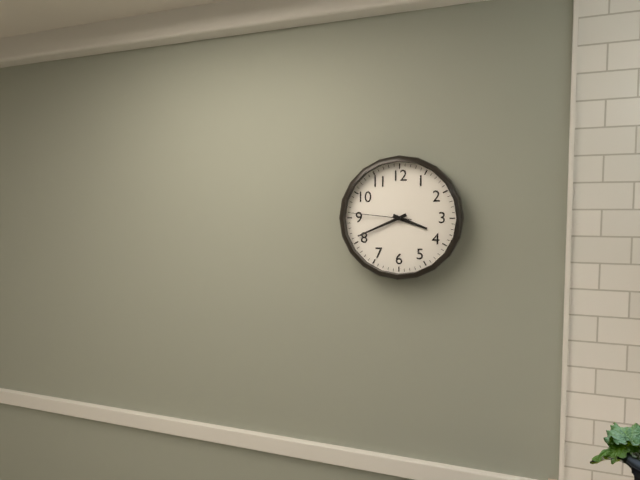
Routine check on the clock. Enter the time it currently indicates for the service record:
3:41:46
